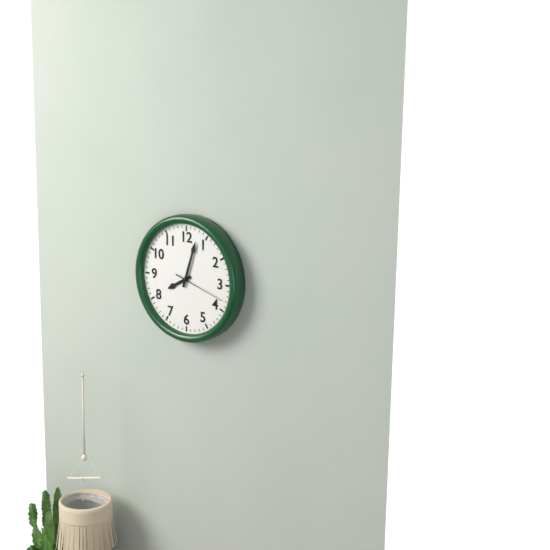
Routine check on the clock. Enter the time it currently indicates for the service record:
8:03
